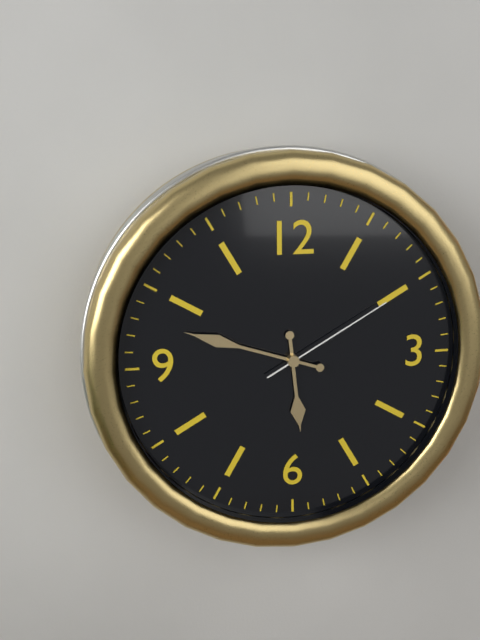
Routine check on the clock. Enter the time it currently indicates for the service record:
5:48:10
